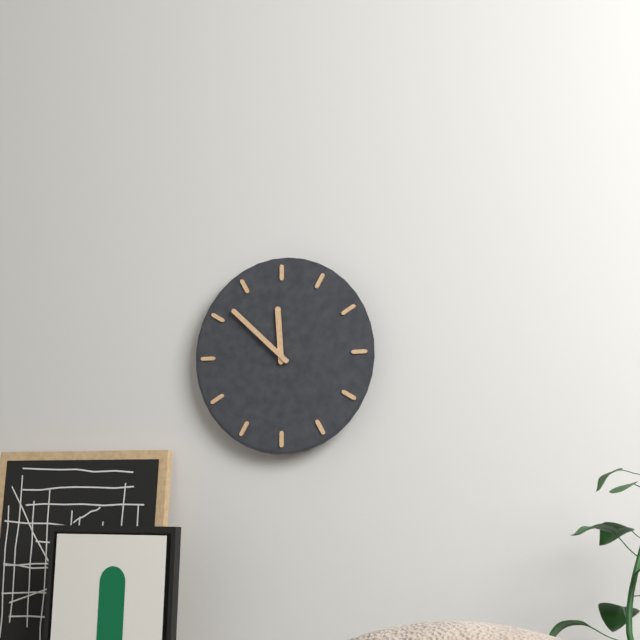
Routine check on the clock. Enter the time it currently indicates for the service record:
11:52
